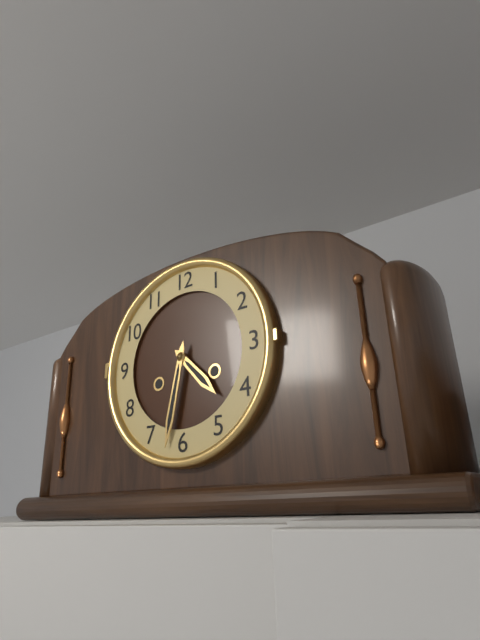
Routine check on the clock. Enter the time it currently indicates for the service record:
4:32
